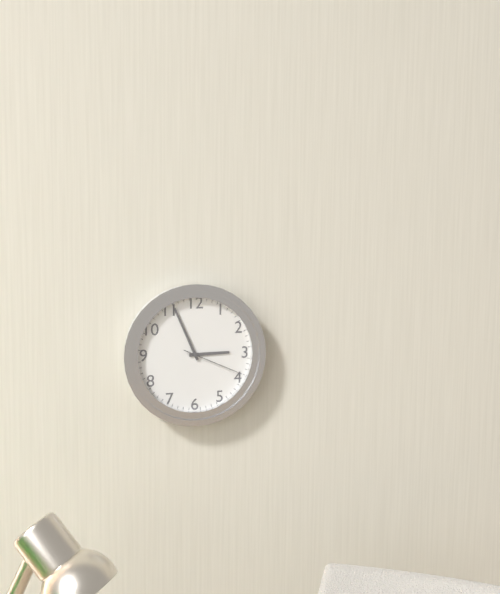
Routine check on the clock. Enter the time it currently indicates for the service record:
2:56:19
